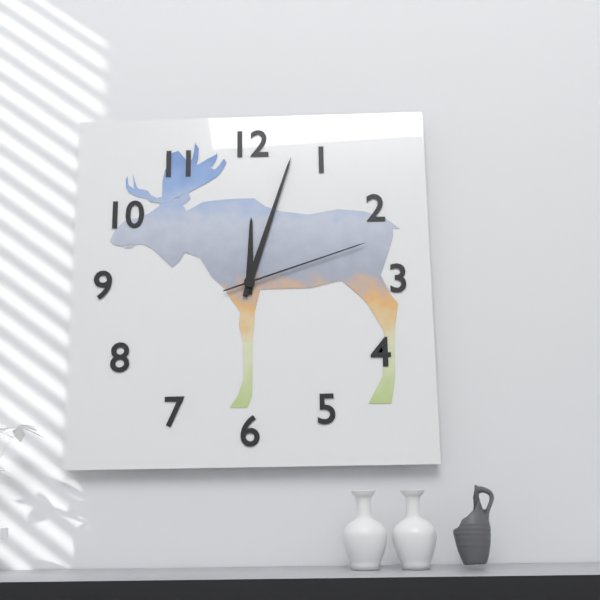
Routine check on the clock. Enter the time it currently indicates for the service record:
12:03:12
